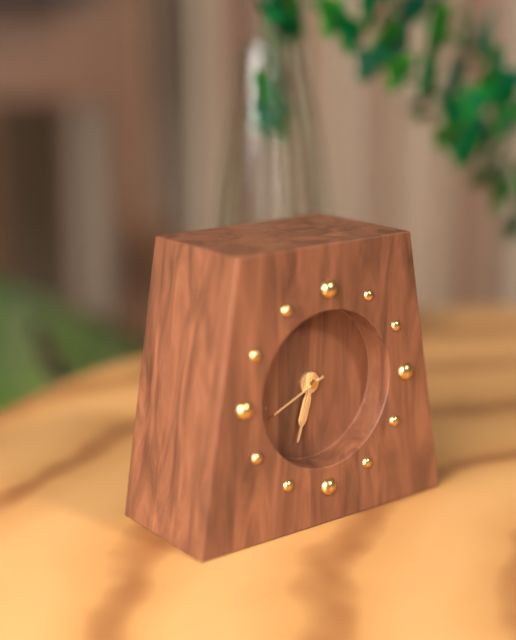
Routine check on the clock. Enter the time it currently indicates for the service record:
6:33:41
